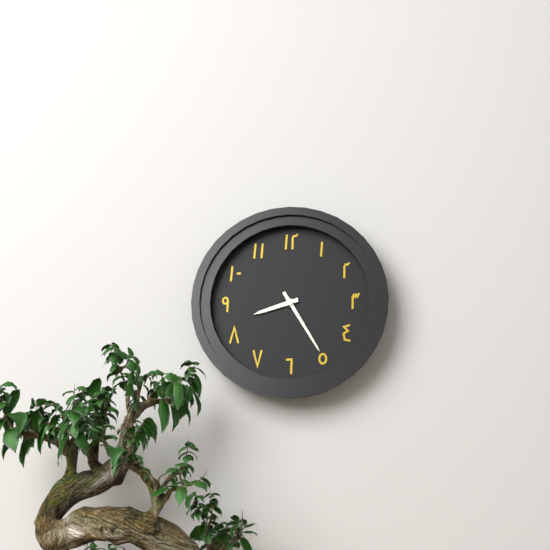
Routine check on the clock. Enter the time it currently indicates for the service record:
8:25
